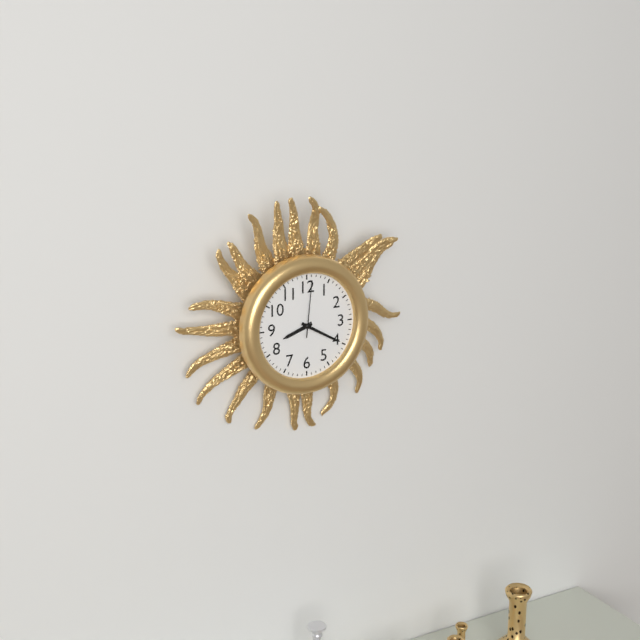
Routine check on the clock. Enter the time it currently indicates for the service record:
8:20:01
